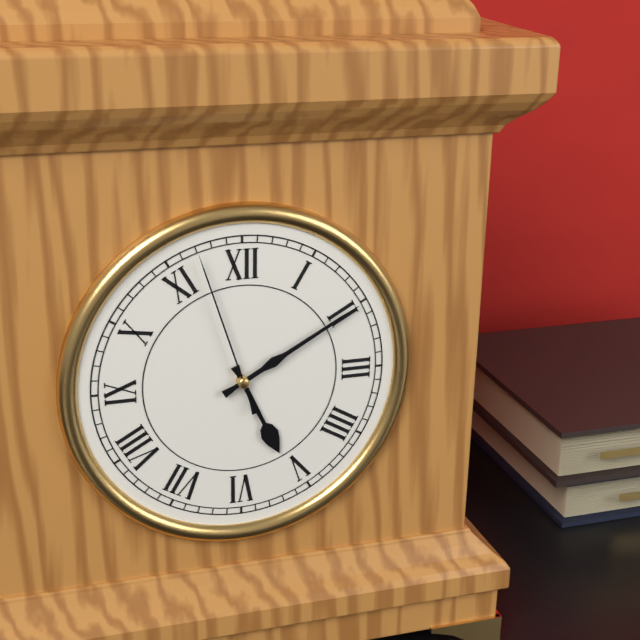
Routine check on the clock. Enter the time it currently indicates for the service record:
5:10:57
